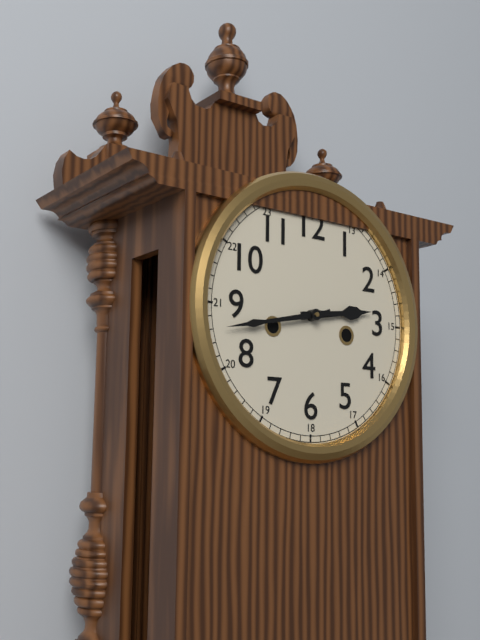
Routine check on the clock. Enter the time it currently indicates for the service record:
2:43
